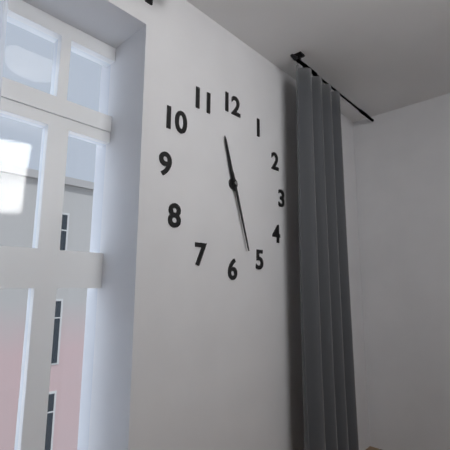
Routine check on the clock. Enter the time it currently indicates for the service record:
11:27
